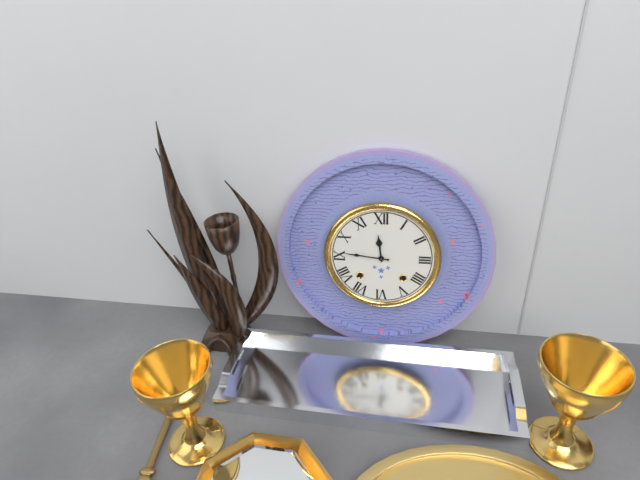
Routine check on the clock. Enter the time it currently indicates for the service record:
11:46
